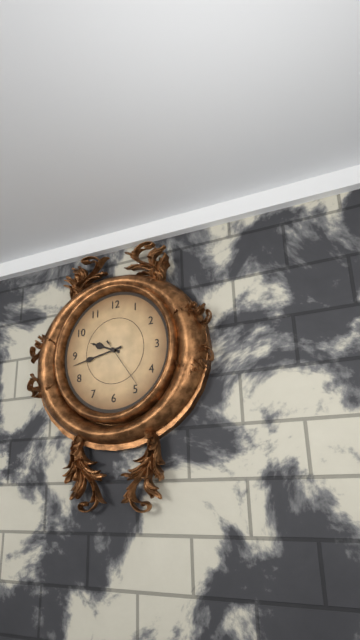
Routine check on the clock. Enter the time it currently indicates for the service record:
9:43
